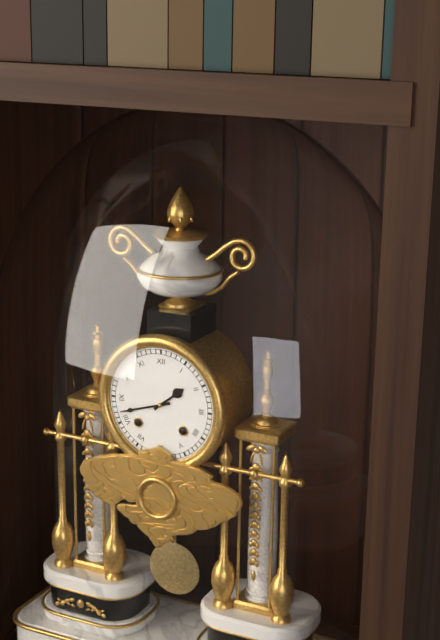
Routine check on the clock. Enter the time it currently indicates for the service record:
1:42
